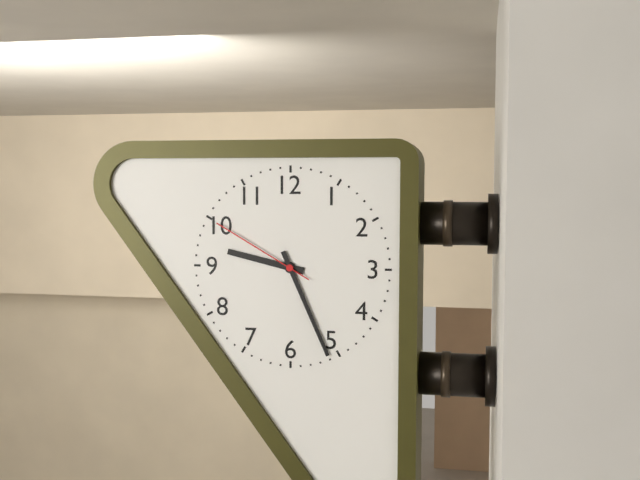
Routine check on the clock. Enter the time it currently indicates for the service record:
9:26:50
